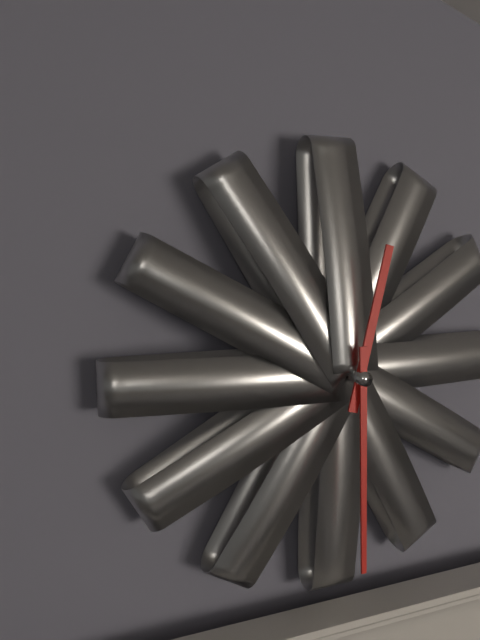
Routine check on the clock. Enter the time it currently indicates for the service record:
12:30
